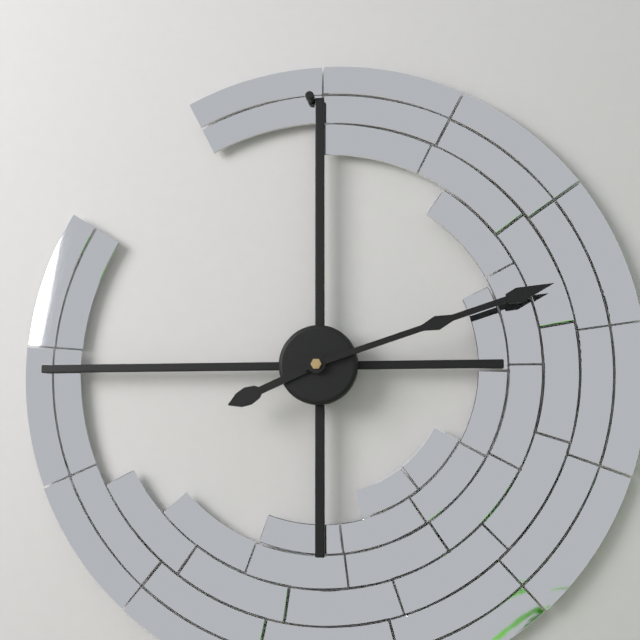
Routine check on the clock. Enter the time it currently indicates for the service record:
8:12
